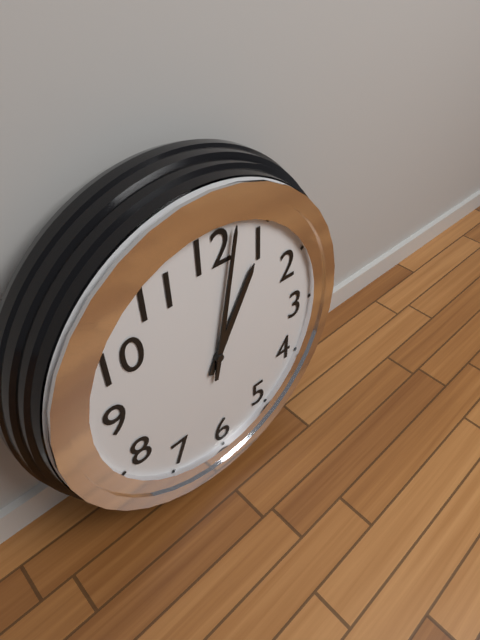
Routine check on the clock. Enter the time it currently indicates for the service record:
1:02
